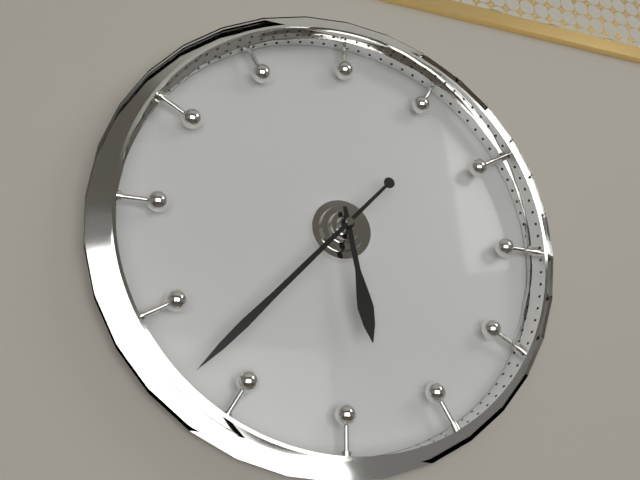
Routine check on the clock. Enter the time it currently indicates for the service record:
5:37
